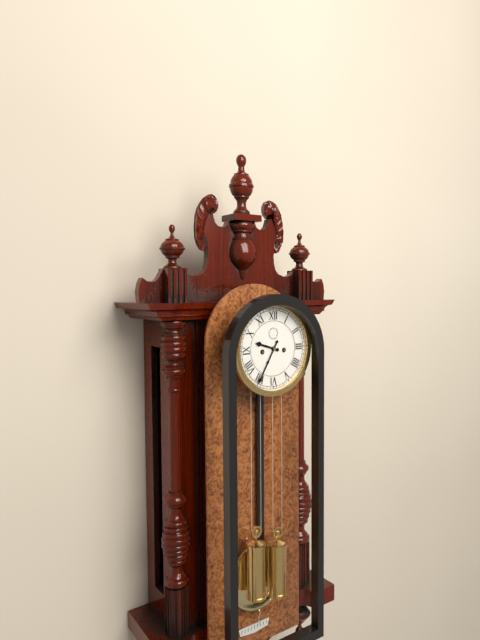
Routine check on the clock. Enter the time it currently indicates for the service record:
9:35
